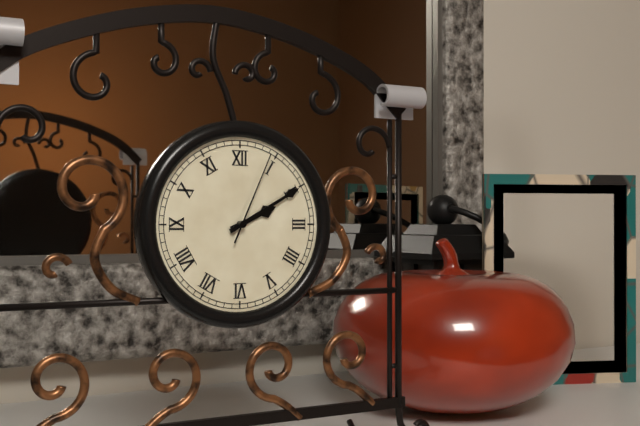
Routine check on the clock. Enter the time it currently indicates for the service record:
2:10:04
